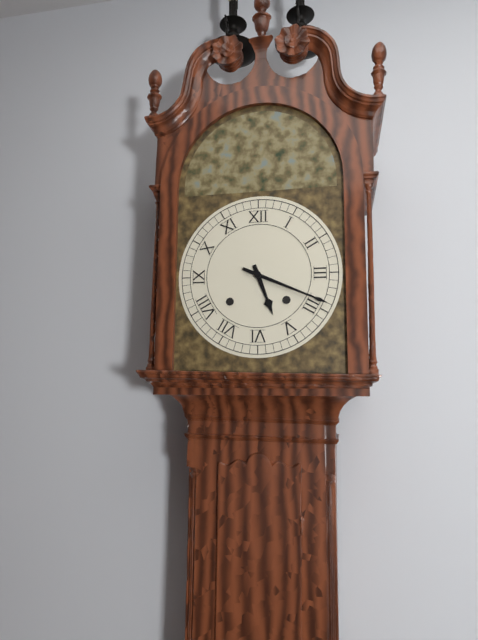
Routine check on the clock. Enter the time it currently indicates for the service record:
5:19
